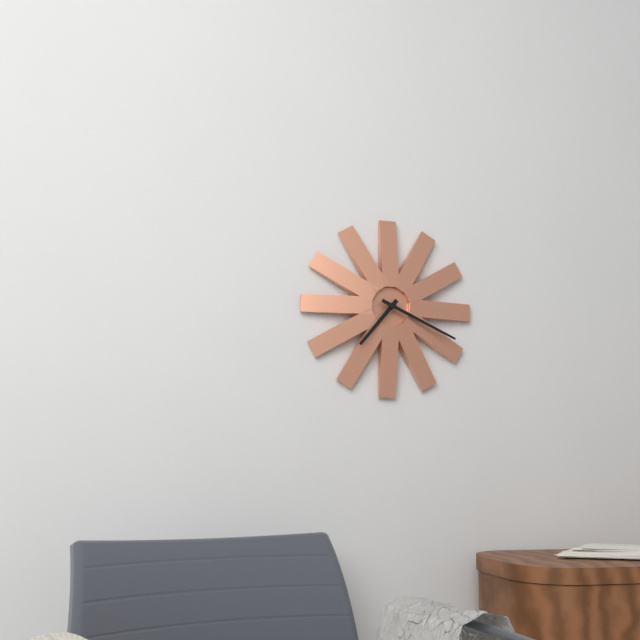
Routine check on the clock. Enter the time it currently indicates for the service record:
7:19
